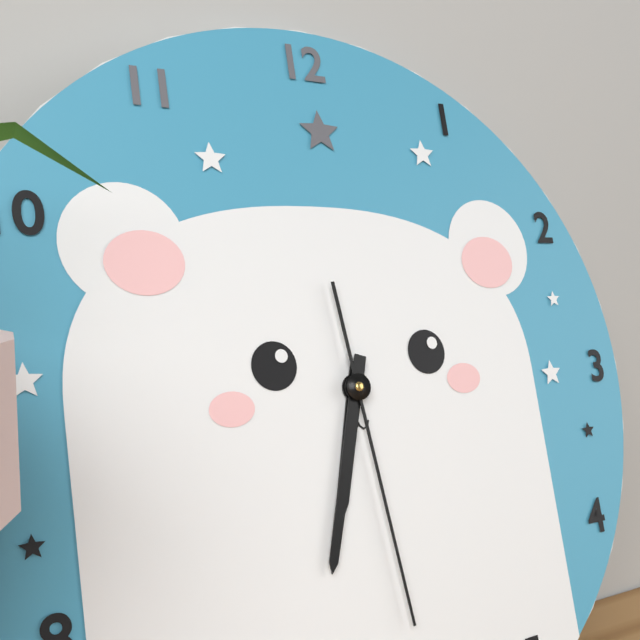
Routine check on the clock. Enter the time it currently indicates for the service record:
6:33:29
